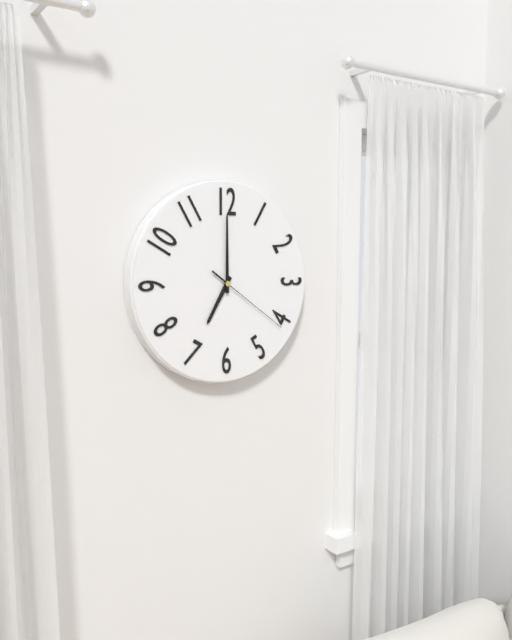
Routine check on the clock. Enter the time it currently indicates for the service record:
7:00:21
